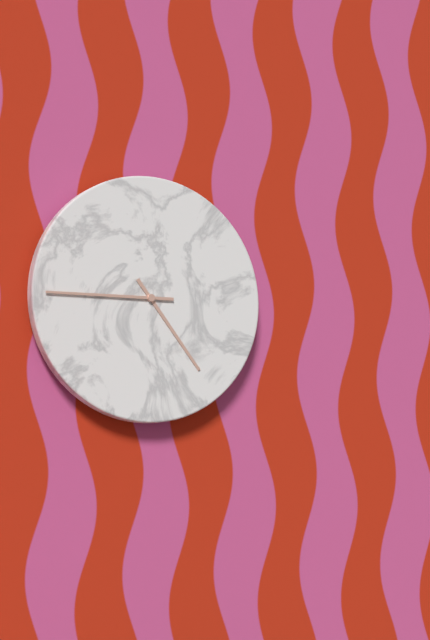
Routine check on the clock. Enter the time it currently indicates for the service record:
4:45
